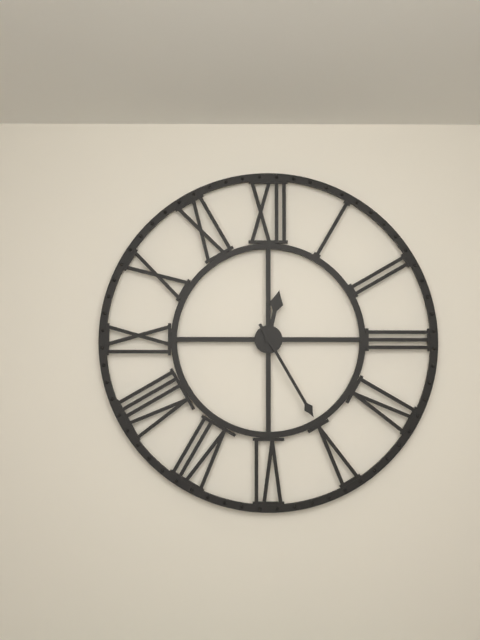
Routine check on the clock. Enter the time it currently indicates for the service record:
12:25
